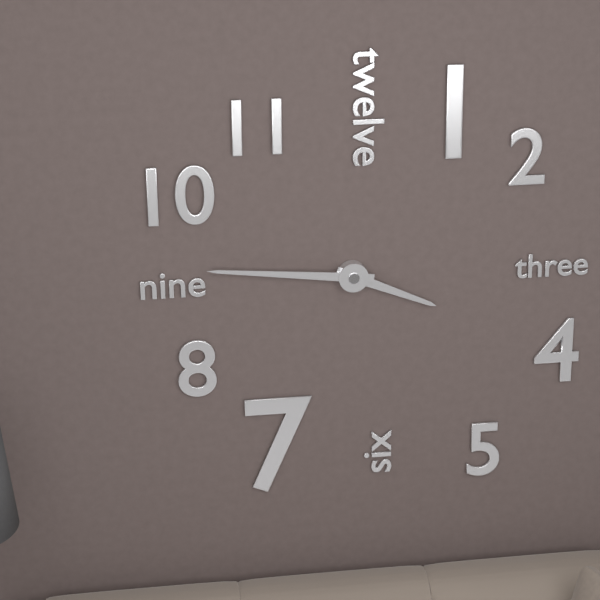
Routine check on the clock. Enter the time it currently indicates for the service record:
3:46
